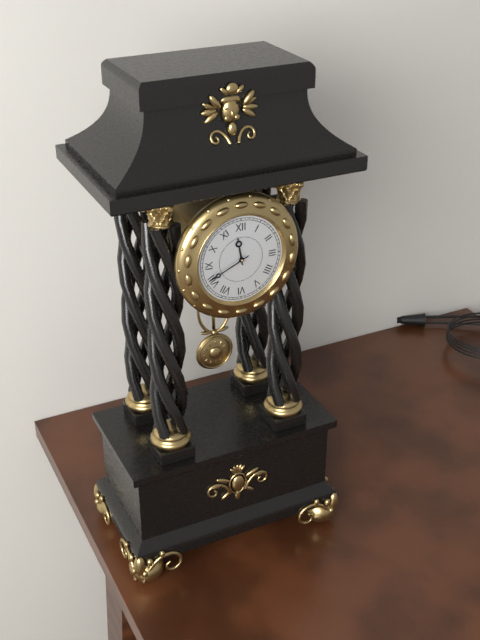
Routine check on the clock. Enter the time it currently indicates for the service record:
11:41
